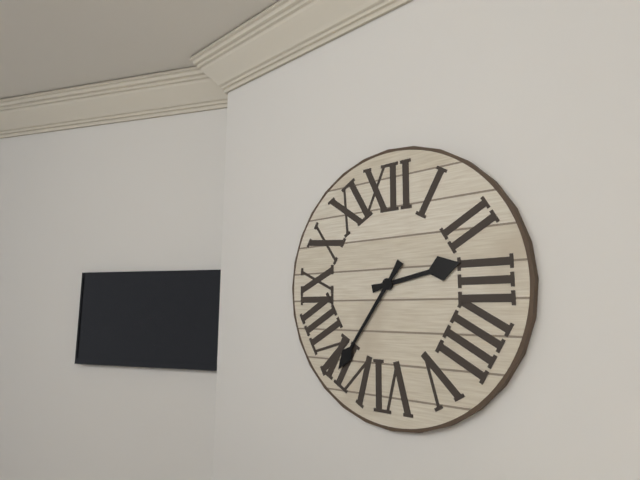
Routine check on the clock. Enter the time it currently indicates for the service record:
2:36
